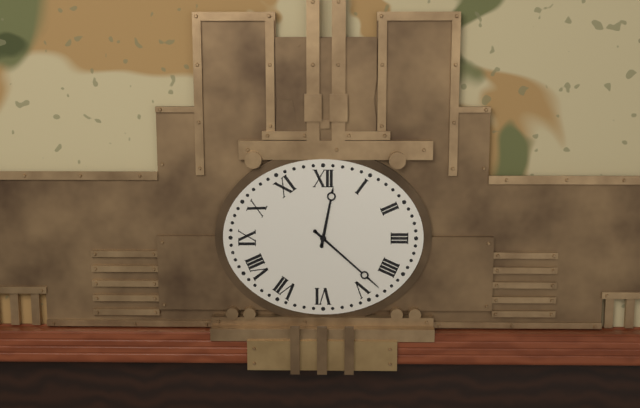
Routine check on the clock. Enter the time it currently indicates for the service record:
12:22
